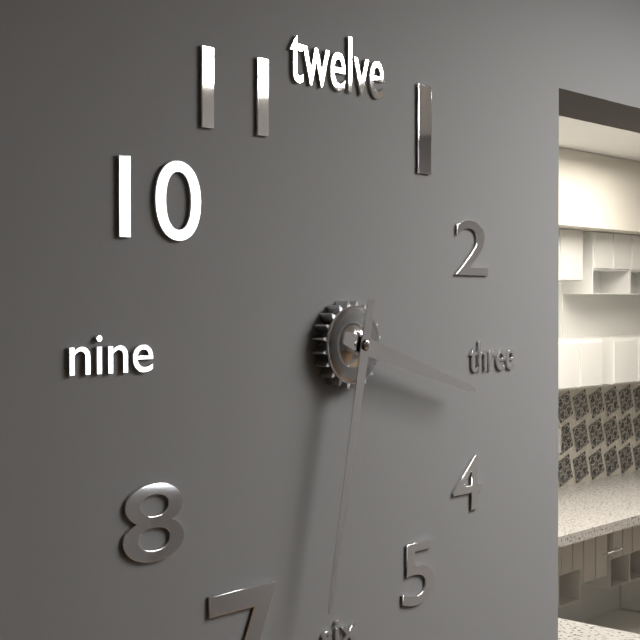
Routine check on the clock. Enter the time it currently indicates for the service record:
3:32
